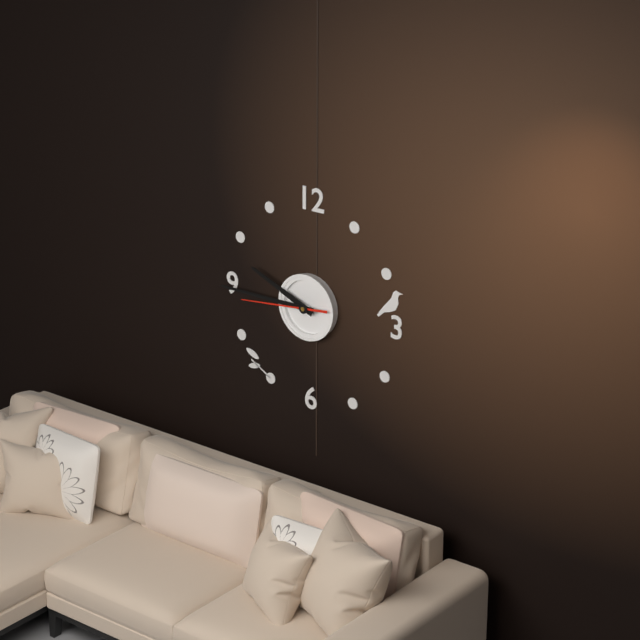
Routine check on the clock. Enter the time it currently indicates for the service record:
9:45:44
